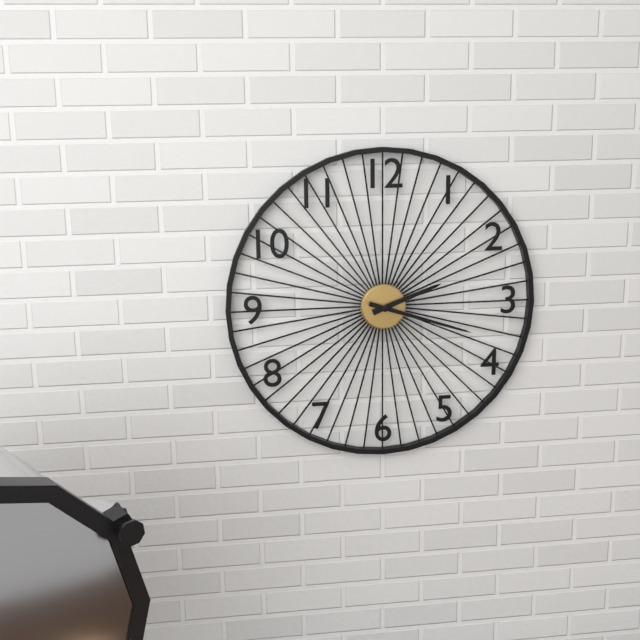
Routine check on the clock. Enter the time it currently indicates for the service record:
2:18
